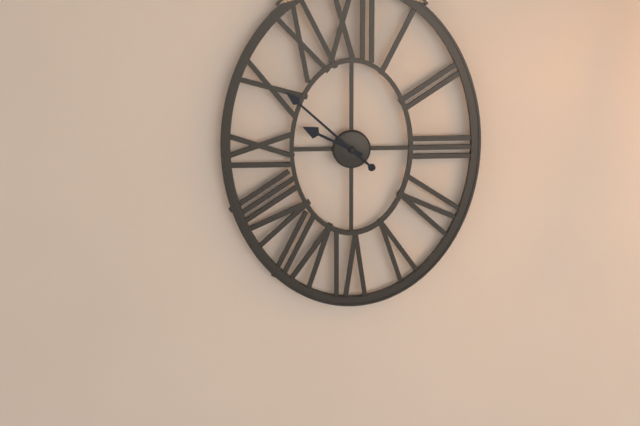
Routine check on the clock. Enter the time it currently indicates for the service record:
9:52
